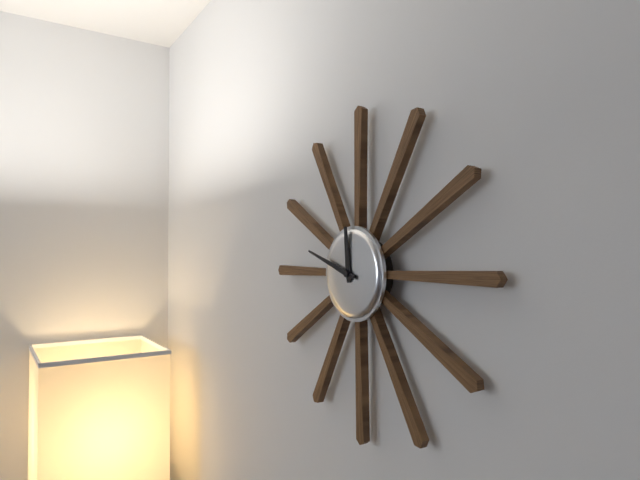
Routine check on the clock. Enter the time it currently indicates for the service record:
11:48
